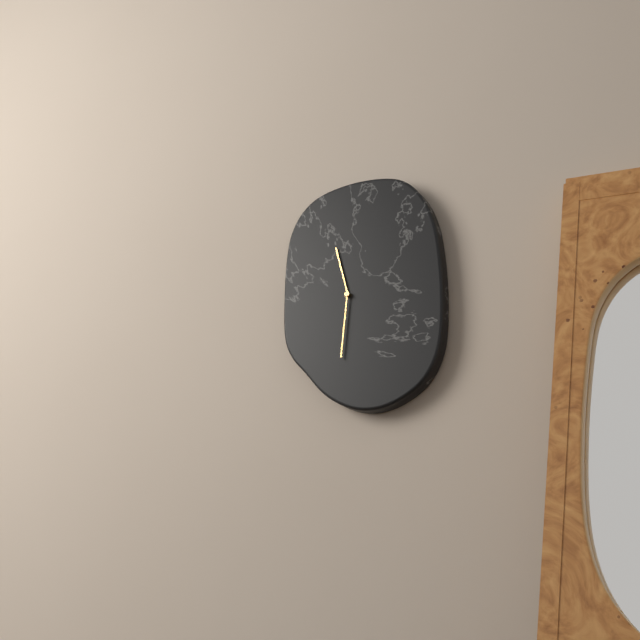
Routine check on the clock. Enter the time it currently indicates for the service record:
11:31
